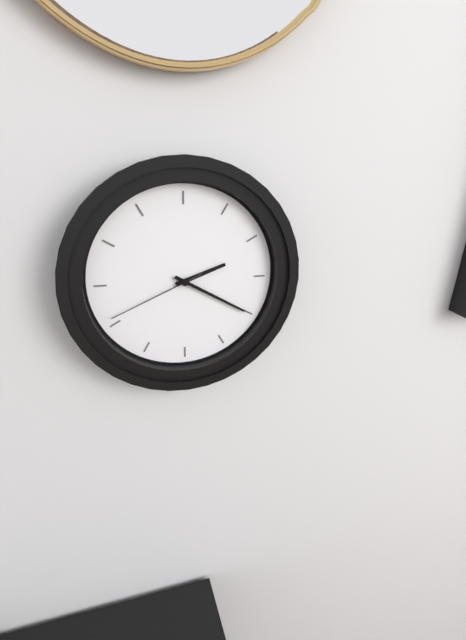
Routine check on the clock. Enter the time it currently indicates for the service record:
2:20:41
